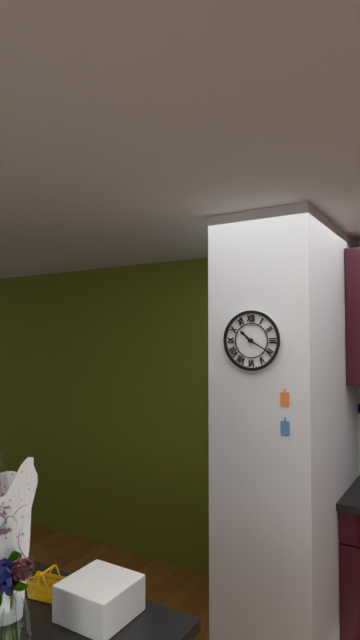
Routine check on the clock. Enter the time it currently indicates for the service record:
10:20
